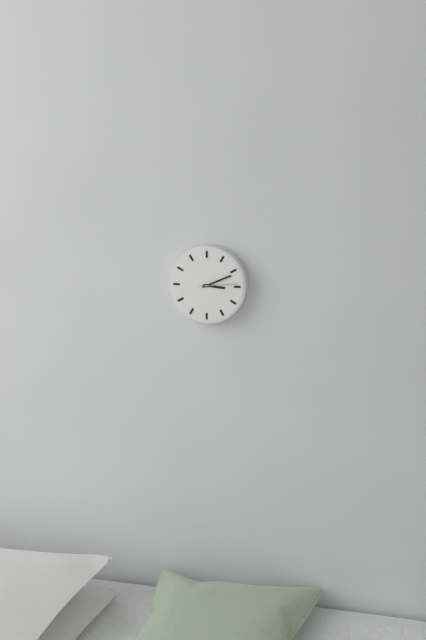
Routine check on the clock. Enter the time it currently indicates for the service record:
3:11
